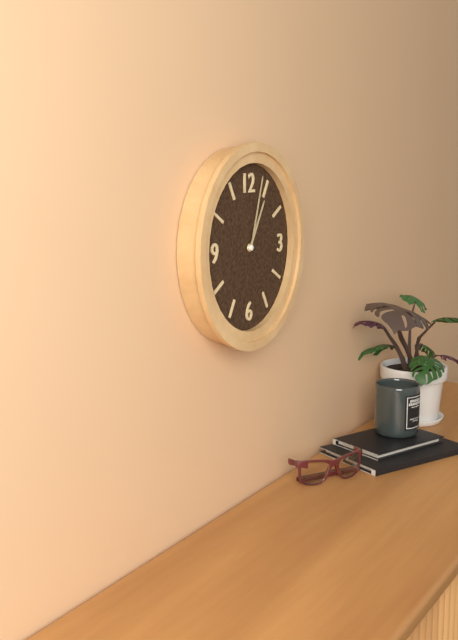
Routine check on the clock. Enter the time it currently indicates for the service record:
1:03
